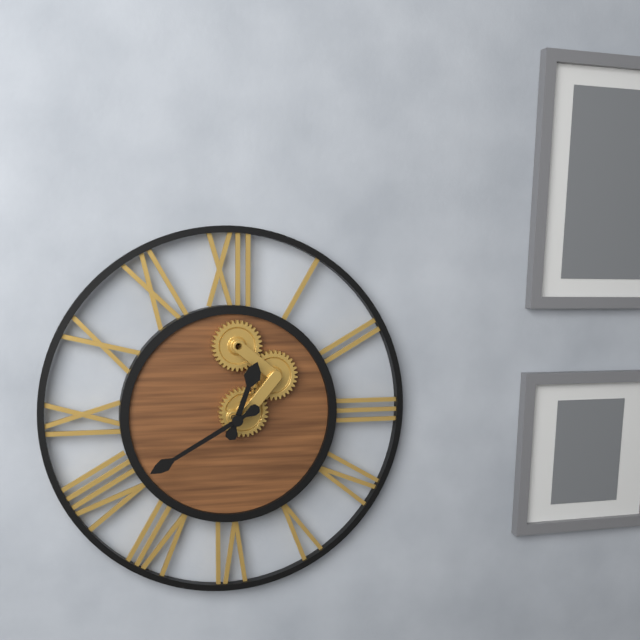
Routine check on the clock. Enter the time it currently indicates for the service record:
12:40
